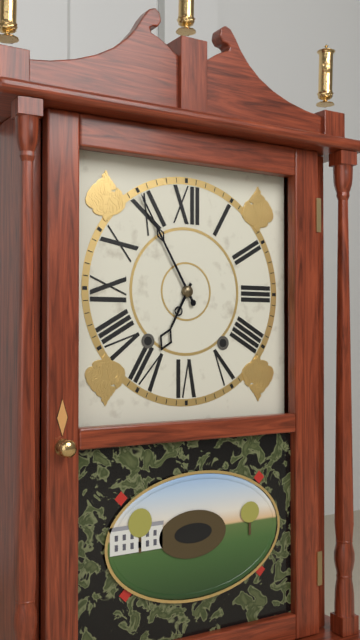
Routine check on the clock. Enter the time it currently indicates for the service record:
6:55
